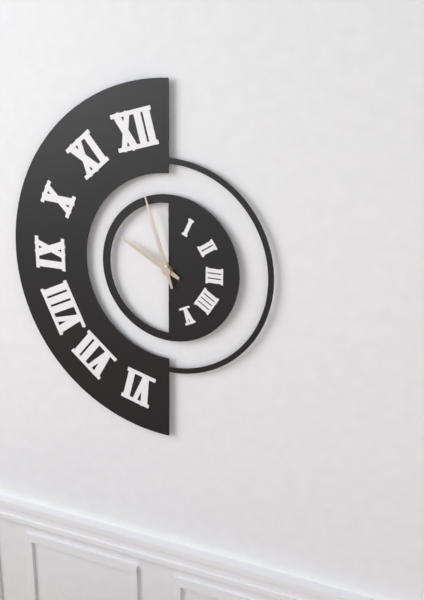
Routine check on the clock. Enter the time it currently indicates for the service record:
9:57
